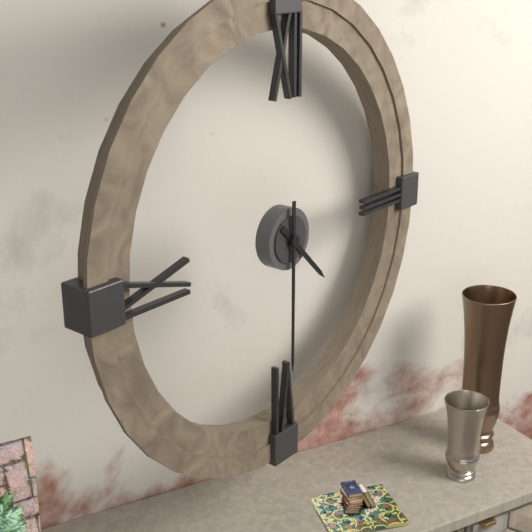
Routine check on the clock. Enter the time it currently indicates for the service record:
4:30
